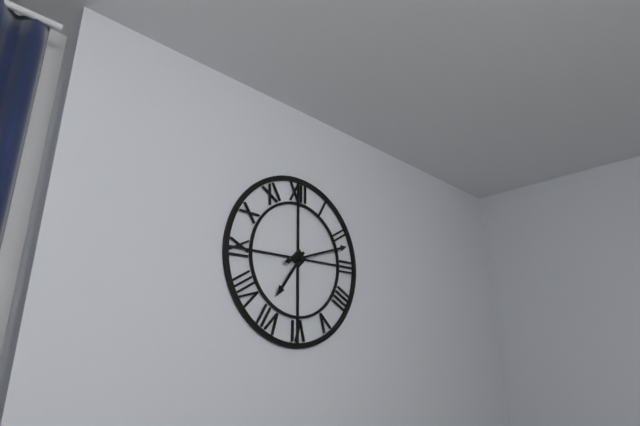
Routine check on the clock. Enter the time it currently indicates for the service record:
7:12
